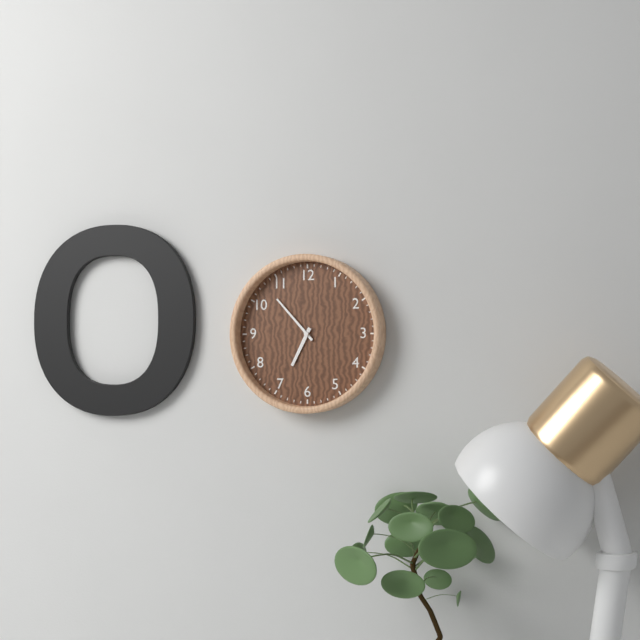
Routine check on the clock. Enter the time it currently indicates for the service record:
6:53
